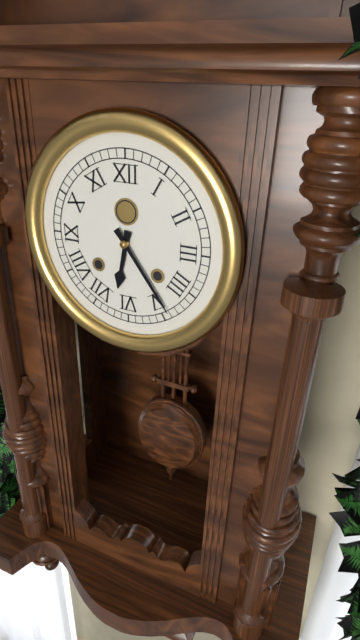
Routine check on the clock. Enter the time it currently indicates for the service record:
6:24
